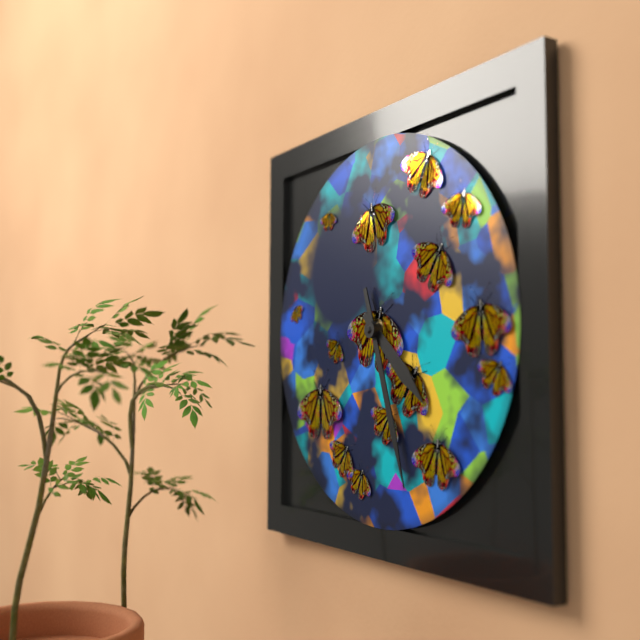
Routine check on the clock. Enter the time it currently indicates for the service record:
4:27
